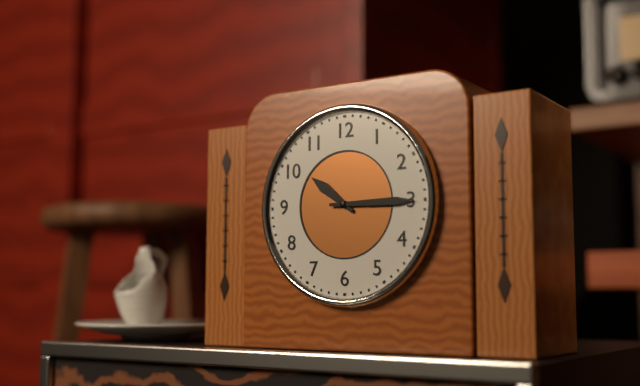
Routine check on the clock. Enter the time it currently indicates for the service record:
10:15
